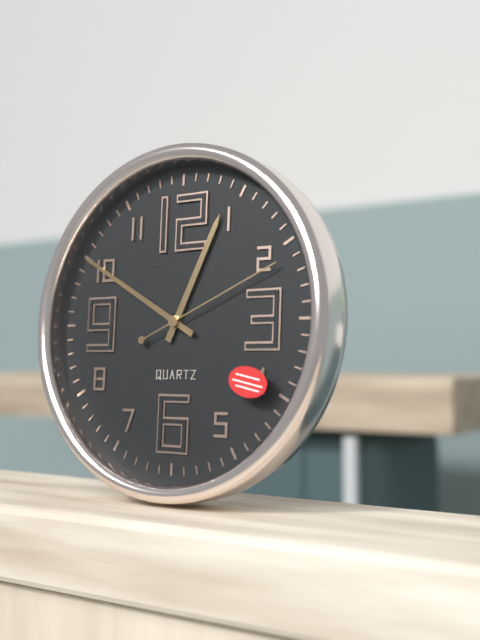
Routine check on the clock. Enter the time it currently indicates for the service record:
12:50:11
